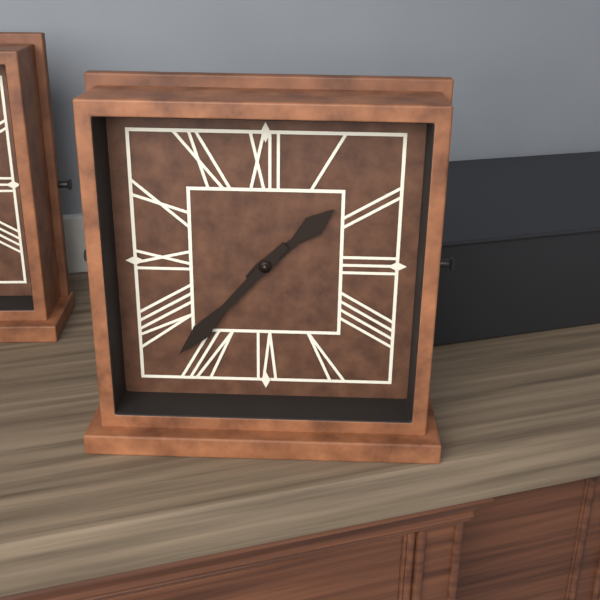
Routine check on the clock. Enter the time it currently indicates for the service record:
1:37
